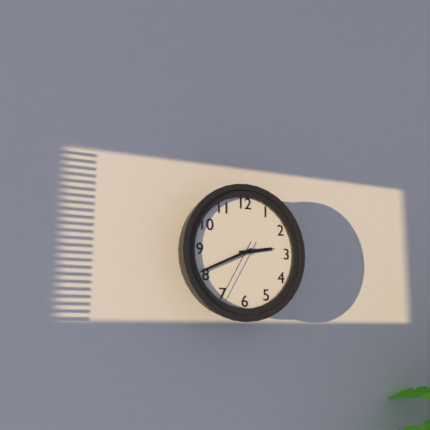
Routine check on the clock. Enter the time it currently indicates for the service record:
2:41:35
